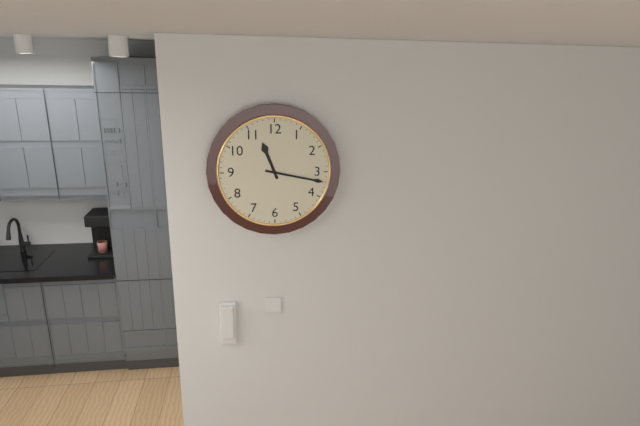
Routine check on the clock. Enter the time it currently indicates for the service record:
11:17
